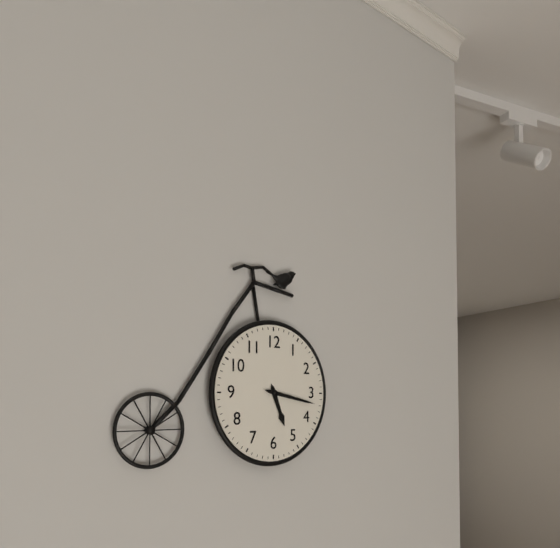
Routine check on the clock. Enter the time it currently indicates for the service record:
5:17
